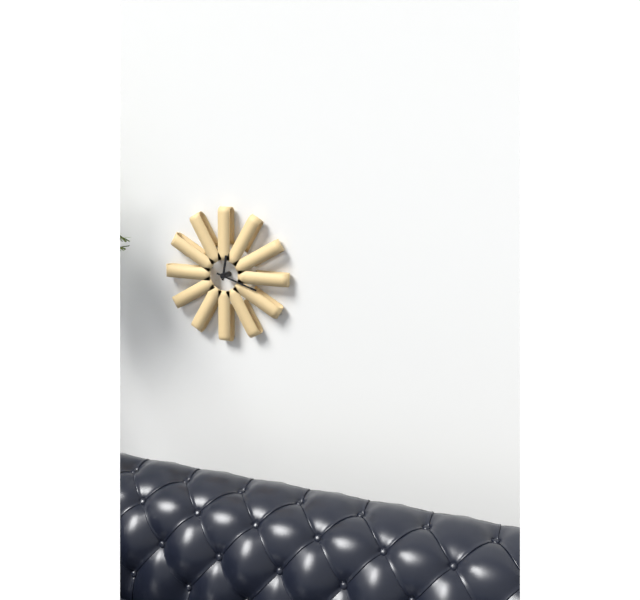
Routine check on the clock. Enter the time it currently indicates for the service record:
12:18
